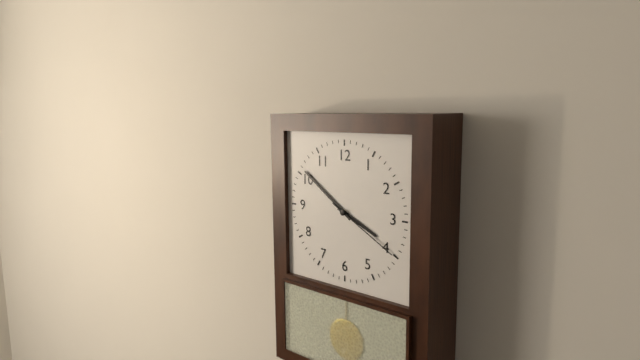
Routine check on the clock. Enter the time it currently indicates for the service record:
3:51:20
